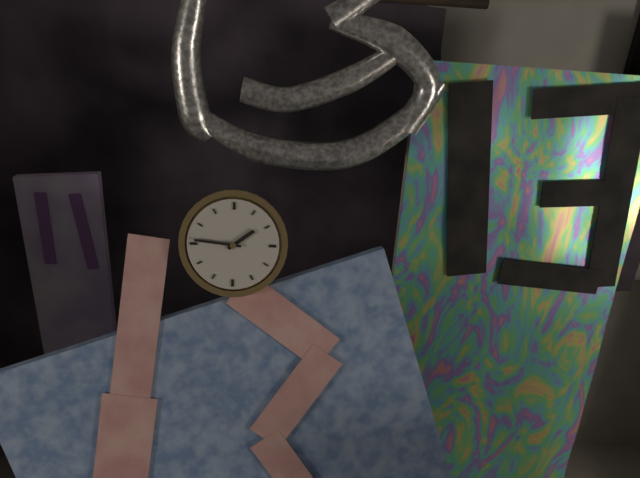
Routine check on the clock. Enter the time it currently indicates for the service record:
1:46
